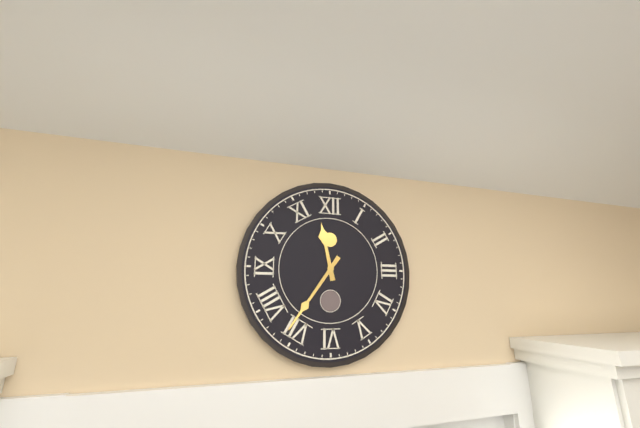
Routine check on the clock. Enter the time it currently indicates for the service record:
11:36
